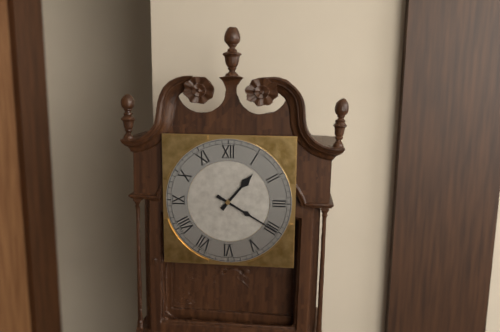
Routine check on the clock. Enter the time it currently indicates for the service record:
1:20
